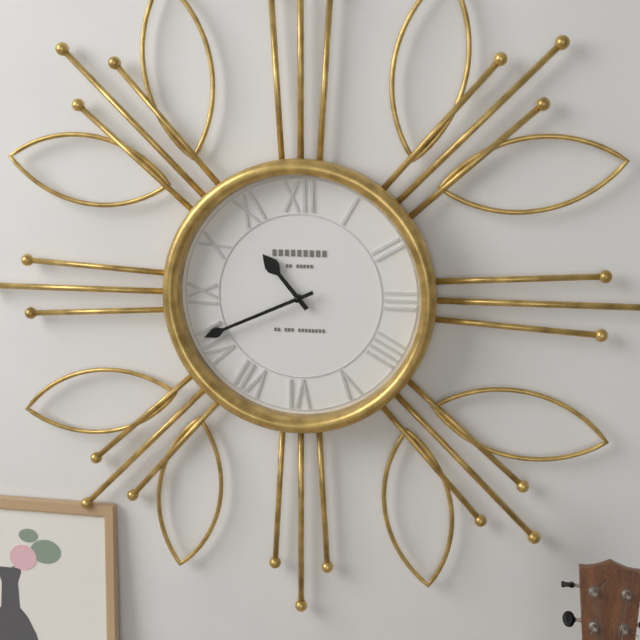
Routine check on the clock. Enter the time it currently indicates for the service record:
10:41
